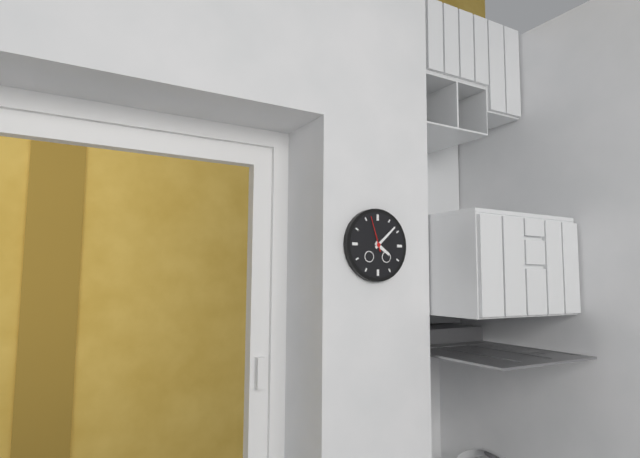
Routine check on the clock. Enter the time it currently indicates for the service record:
4:08
